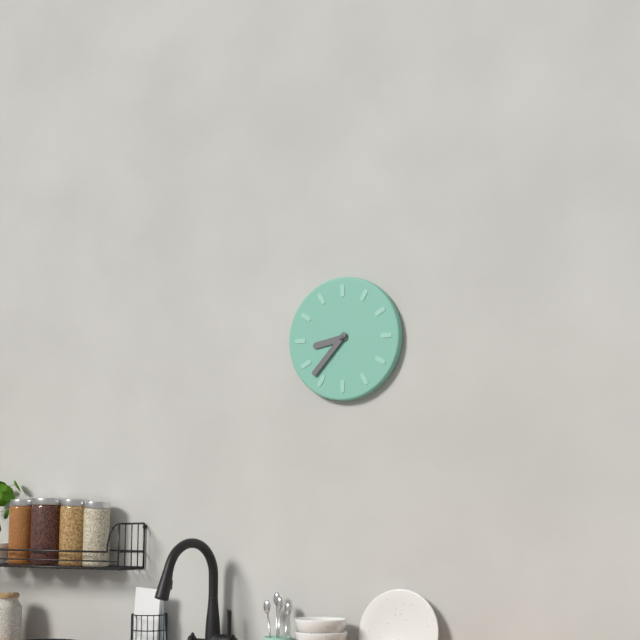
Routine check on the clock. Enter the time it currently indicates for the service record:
8:37
